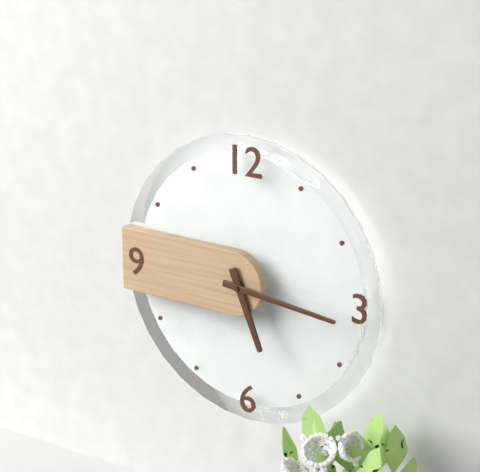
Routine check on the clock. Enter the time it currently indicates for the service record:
5:16
